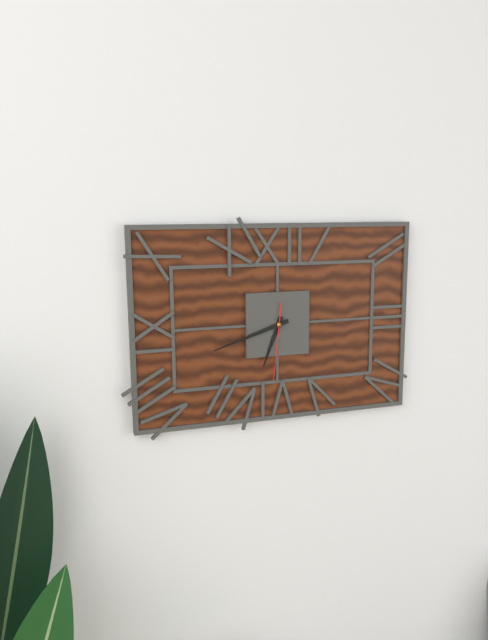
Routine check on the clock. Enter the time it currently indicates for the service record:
6:42:31
